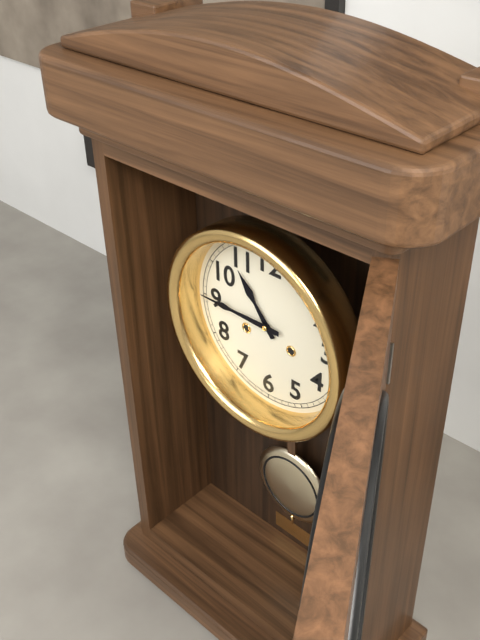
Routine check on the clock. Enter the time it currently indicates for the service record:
10:45
